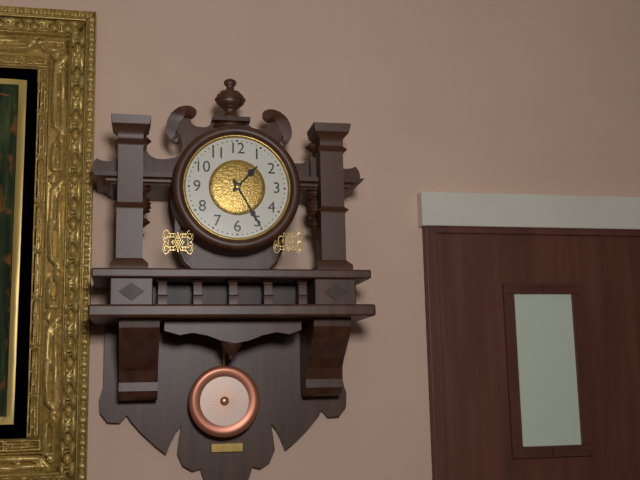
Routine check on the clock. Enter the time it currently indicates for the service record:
1:25
